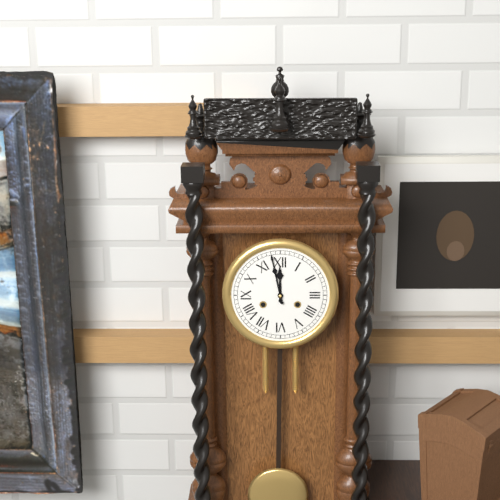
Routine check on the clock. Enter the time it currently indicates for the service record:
11:58
